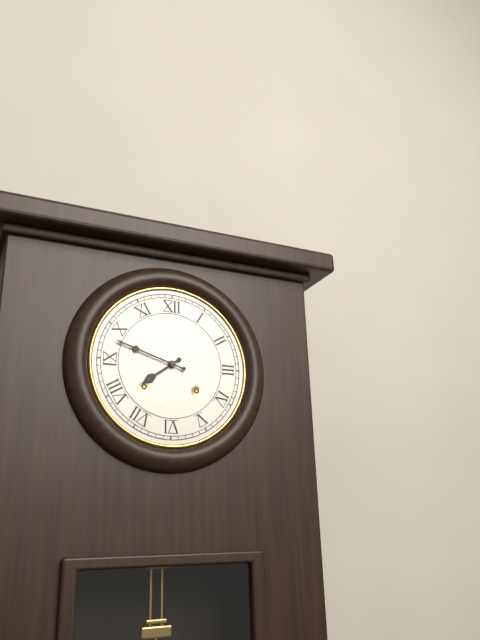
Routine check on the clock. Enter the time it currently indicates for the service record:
7:48
